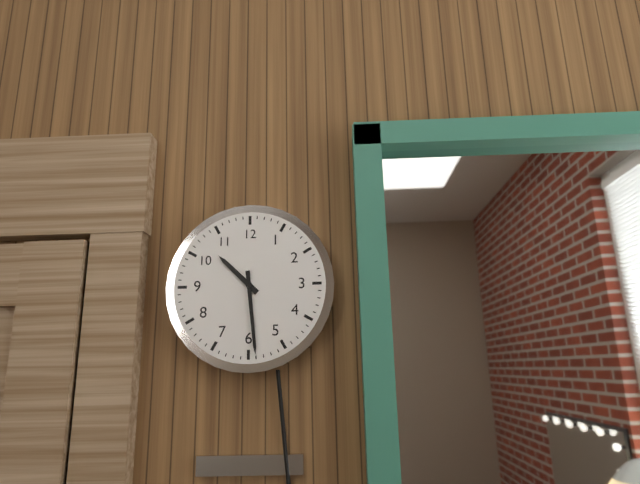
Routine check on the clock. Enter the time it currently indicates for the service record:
10:29
